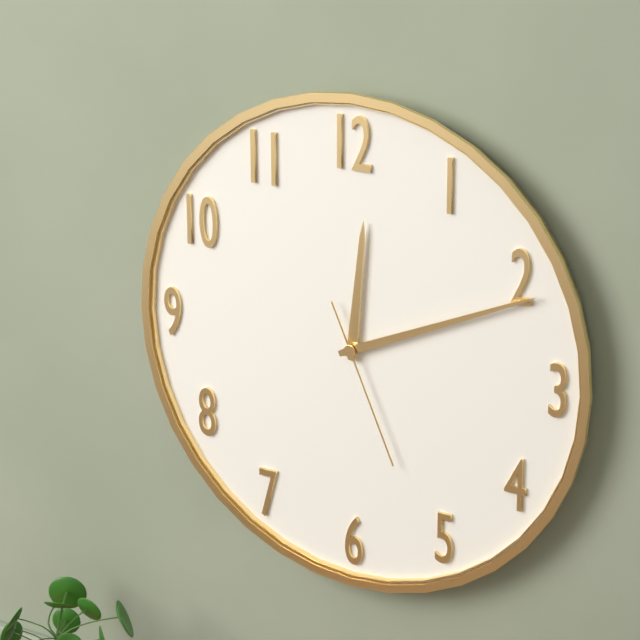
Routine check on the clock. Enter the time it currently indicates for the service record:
12:11:26
